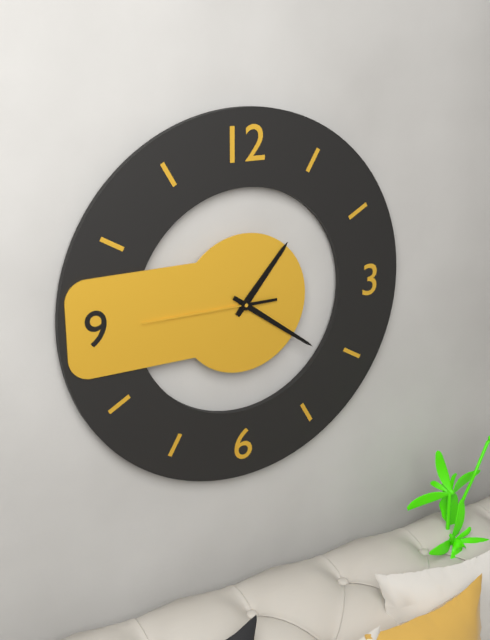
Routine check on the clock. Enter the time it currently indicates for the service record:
1:21:45
